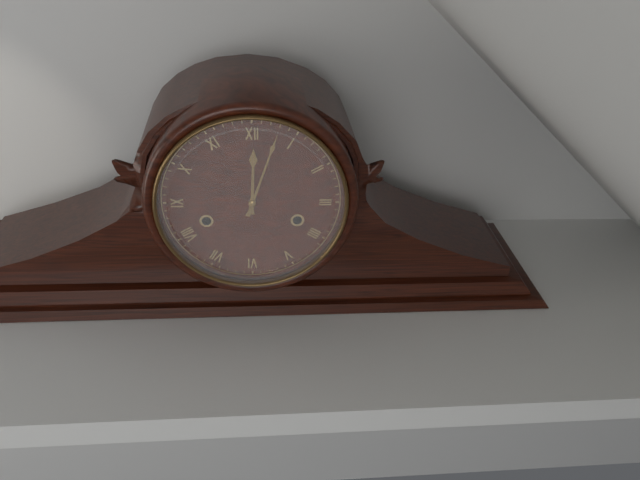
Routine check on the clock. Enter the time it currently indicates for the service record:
12:03
